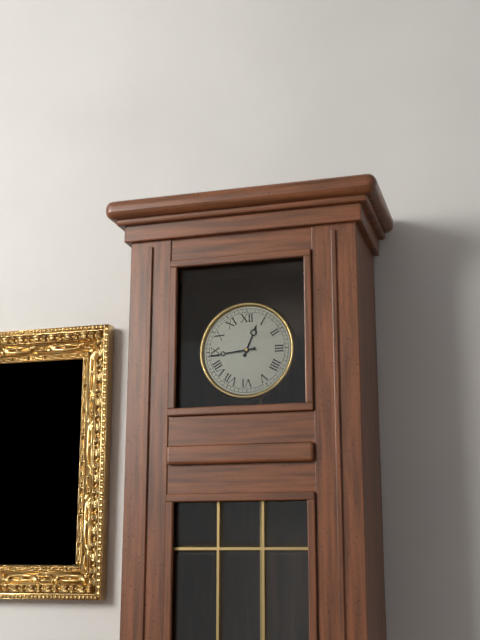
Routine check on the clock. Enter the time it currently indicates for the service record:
12:44
